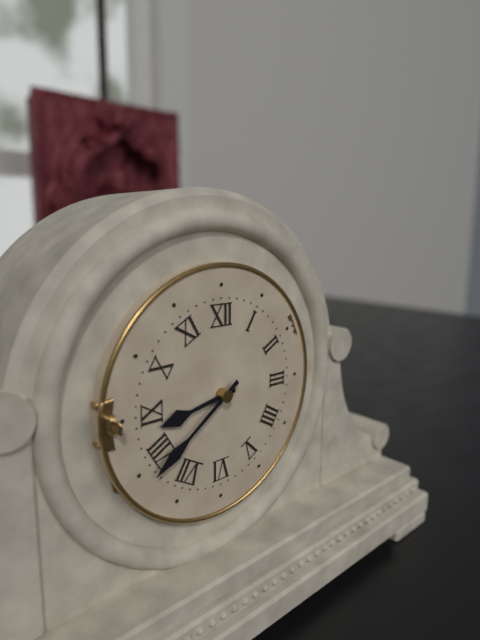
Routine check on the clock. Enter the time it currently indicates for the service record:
8:39
